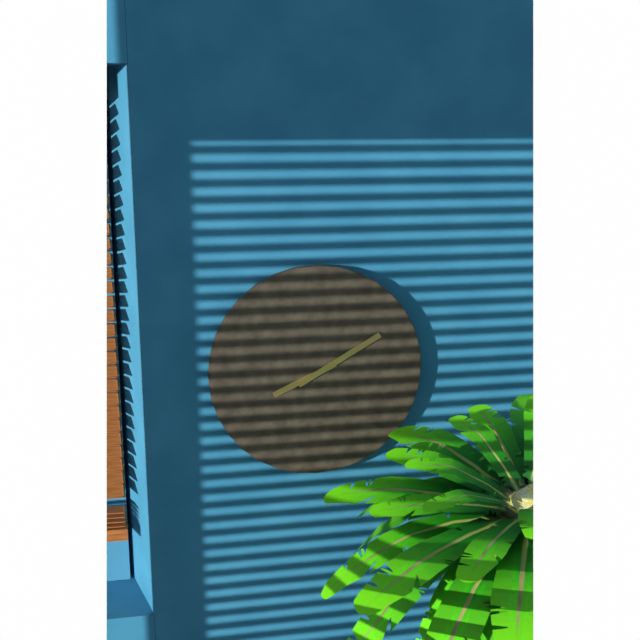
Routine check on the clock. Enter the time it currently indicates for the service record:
8:10
